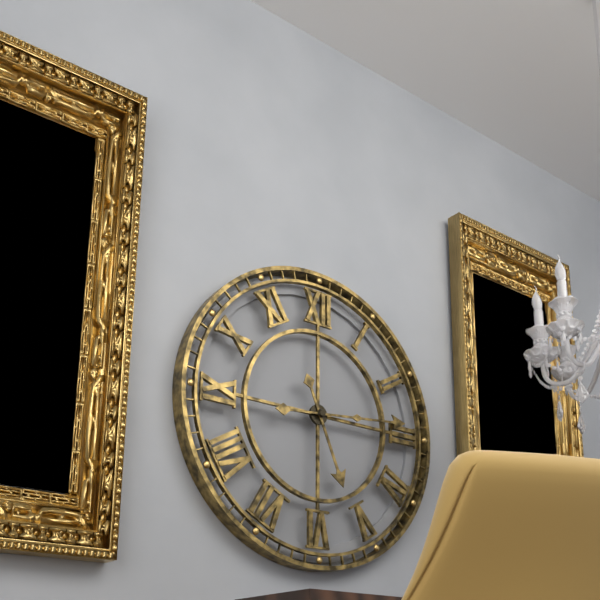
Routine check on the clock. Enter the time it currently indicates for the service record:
5:14
